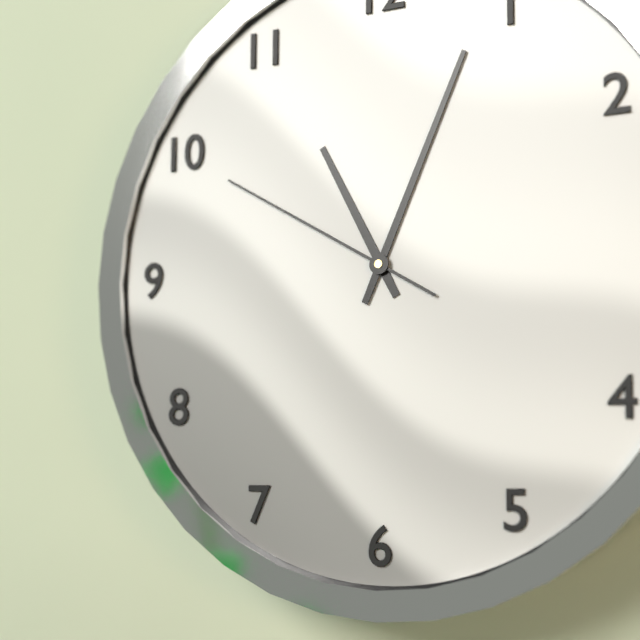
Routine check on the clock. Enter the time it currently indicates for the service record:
11:04:50
